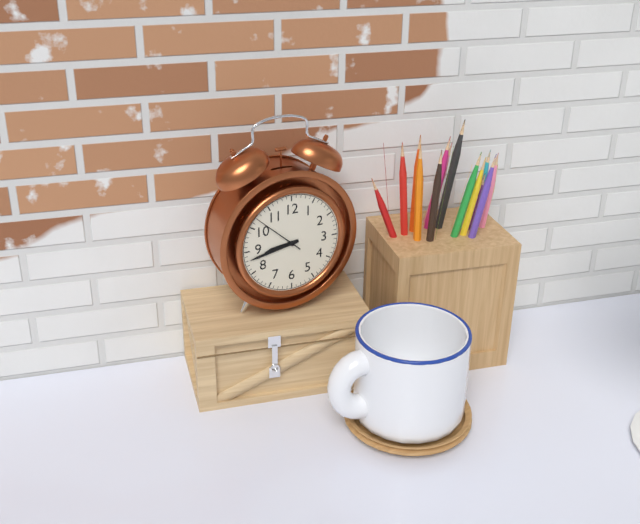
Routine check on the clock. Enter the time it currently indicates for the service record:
8:43:52
